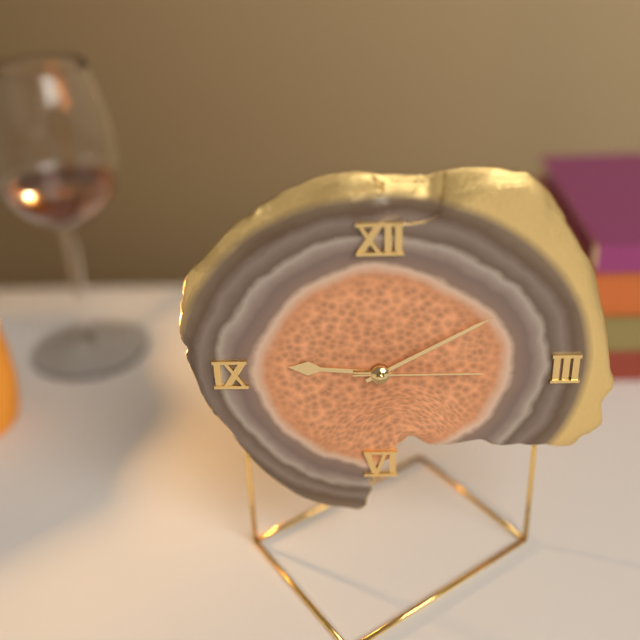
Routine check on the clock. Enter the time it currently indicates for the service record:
9:10:15
